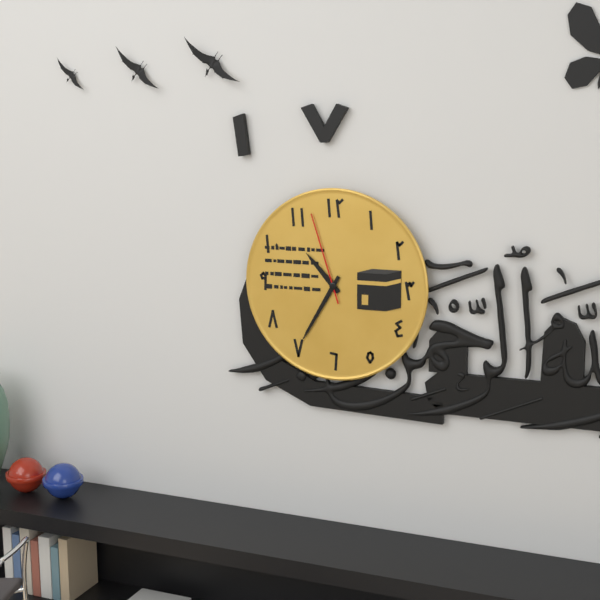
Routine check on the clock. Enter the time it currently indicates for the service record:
10:35:57
